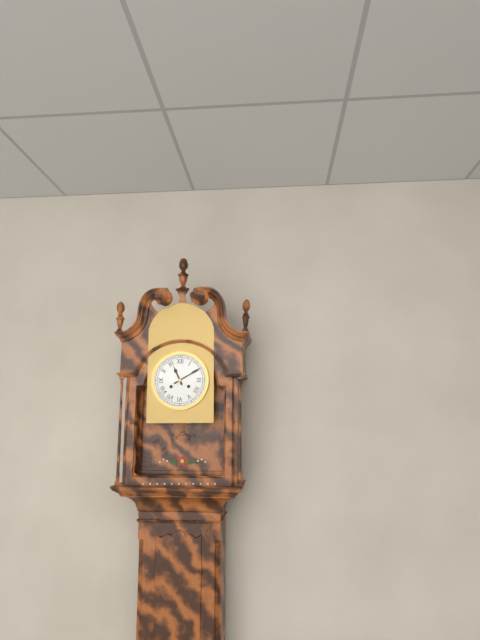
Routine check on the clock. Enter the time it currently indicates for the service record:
11:10
